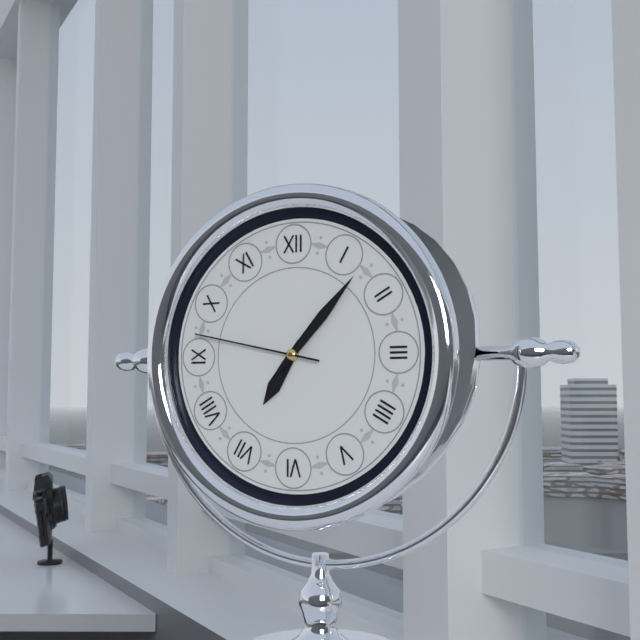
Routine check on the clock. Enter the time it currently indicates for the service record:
7:07:47
